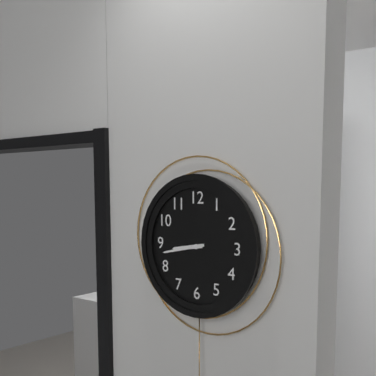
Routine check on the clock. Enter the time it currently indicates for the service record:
8:43
